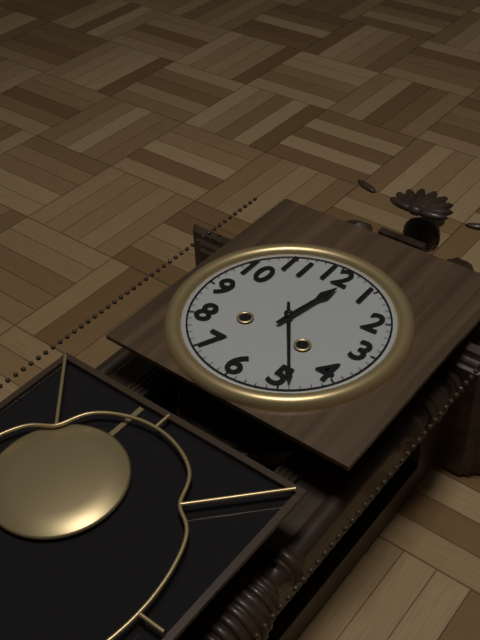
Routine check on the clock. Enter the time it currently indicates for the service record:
12:24
